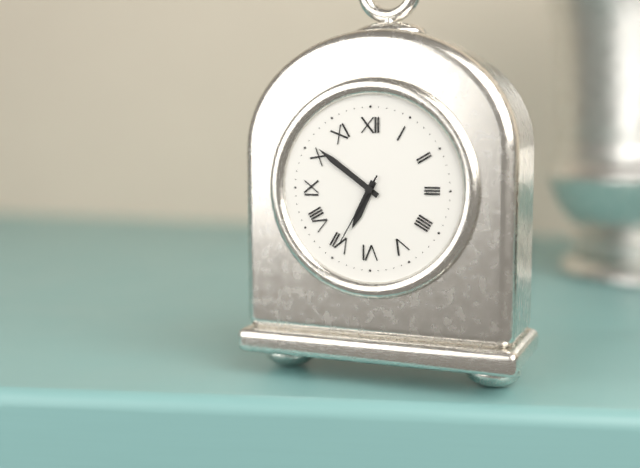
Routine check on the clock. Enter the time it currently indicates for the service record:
6:51:35
